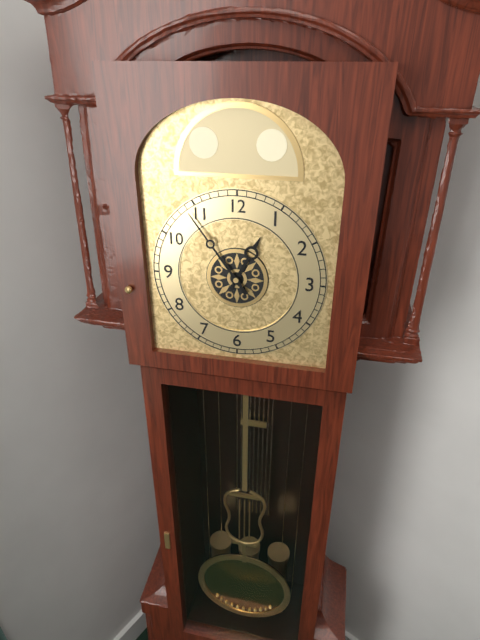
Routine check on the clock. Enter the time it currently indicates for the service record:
12:54
